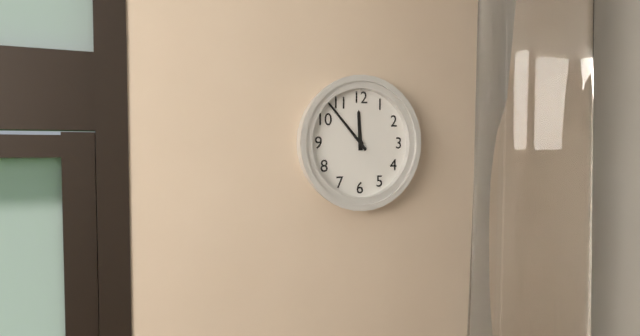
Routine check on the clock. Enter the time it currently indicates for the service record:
11:53
